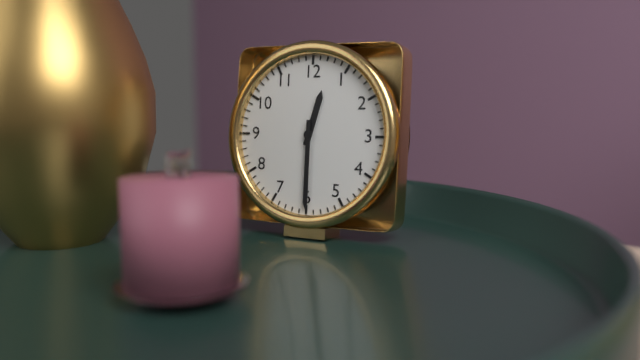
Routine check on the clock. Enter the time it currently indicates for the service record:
12:30
